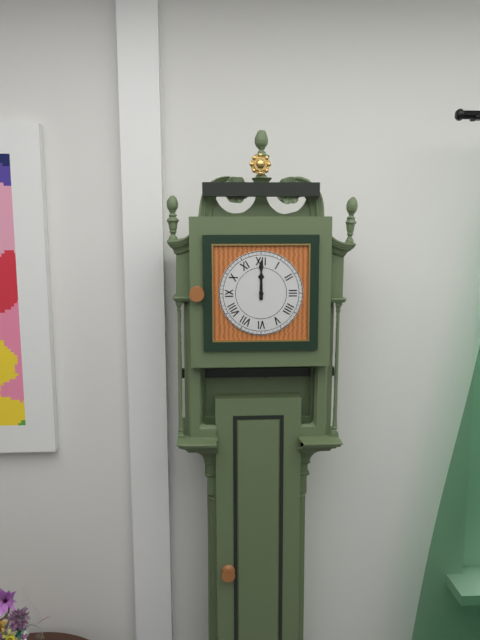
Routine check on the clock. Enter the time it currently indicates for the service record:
12:00
